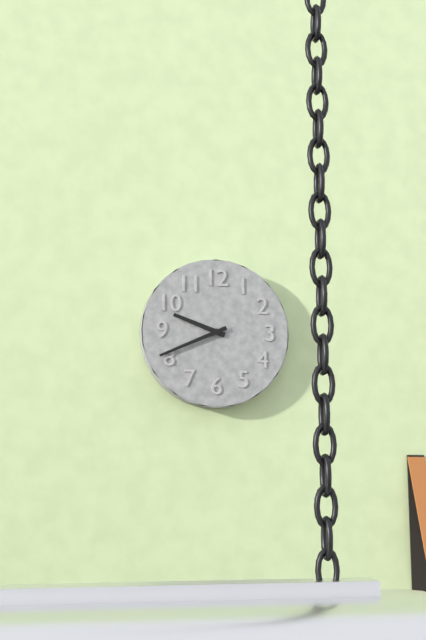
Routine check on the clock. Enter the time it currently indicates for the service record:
9:41
